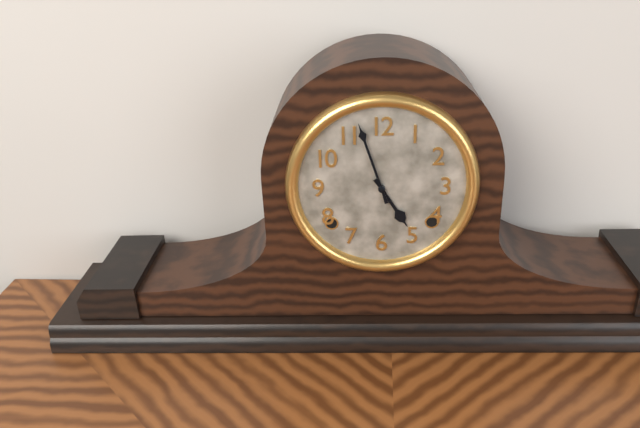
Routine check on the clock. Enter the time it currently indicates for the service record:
4:57
